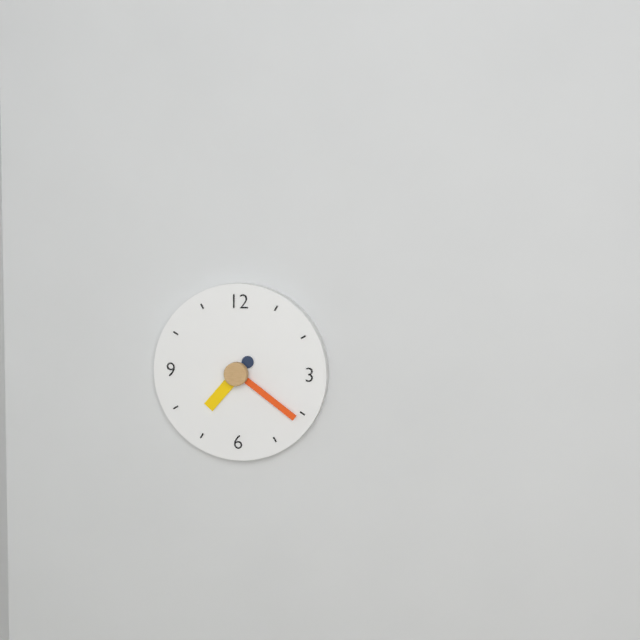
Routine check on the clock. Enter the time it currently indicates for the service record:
7:21
